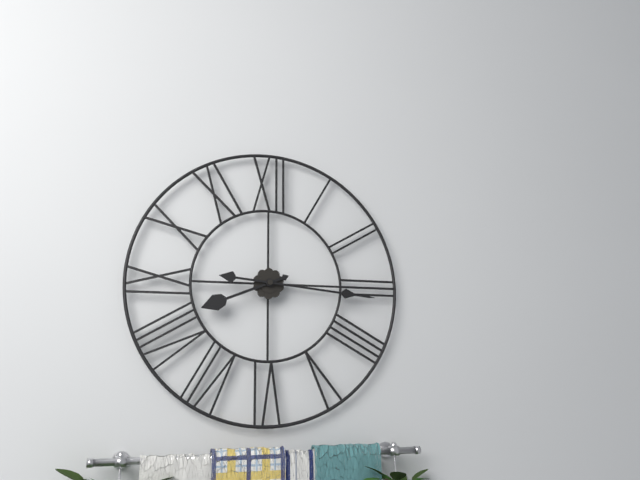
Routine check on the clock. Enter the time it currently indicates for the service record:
8:16
